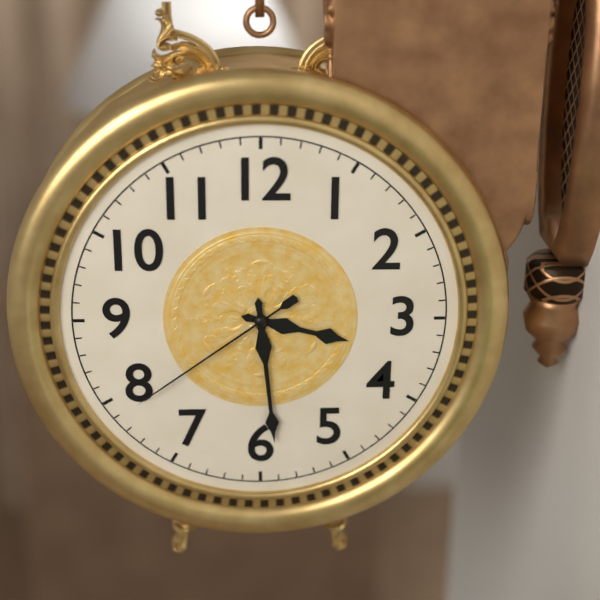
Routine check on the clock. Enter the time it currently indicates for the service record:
3:29:39
